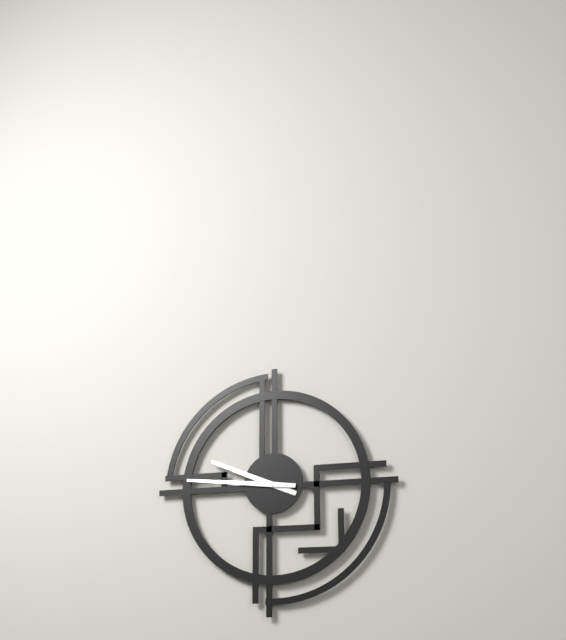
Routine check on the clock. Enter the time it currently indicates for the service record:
9:46
